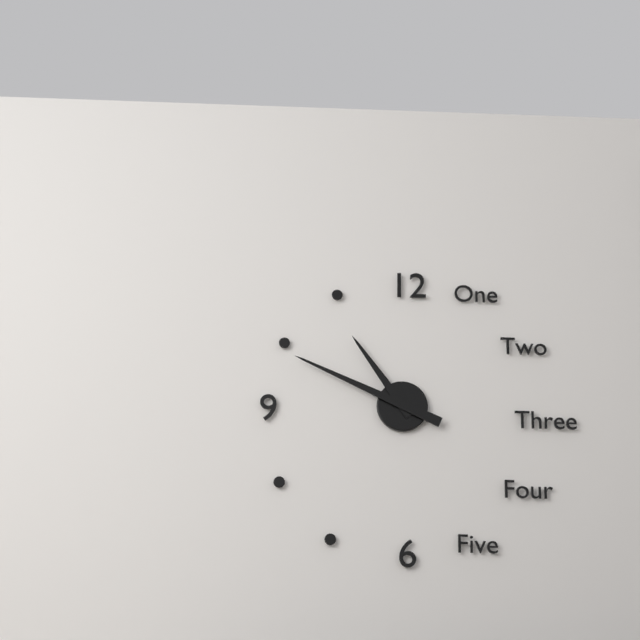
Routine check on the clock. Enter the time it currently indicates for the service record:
10:49
